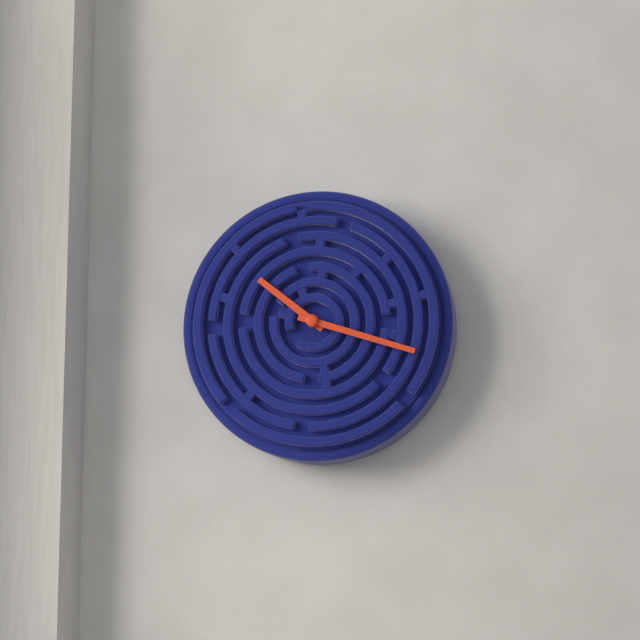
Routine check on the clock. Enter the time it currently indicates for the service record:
10:18
